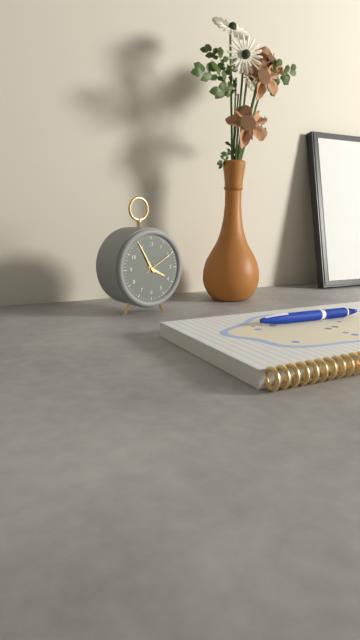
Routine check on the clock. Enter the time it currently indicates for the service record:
3:55
